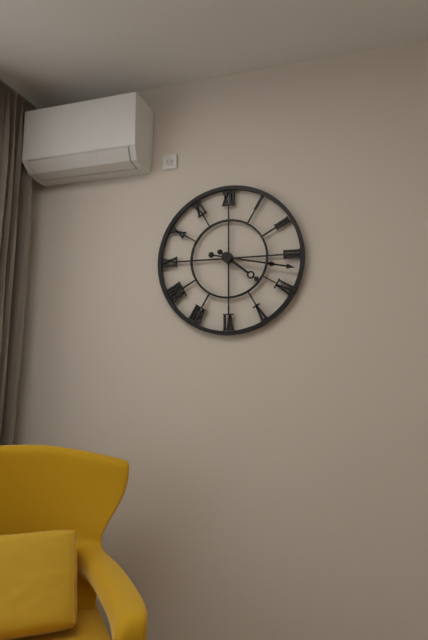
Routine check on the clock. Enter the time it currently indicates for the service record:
4:17
